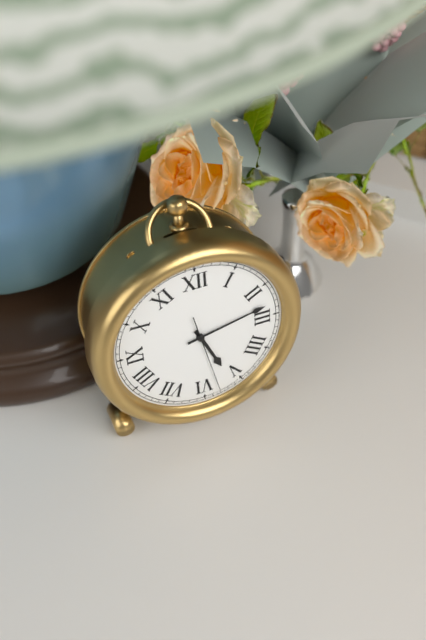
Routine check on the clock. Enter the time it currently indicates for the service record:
5:13:28
